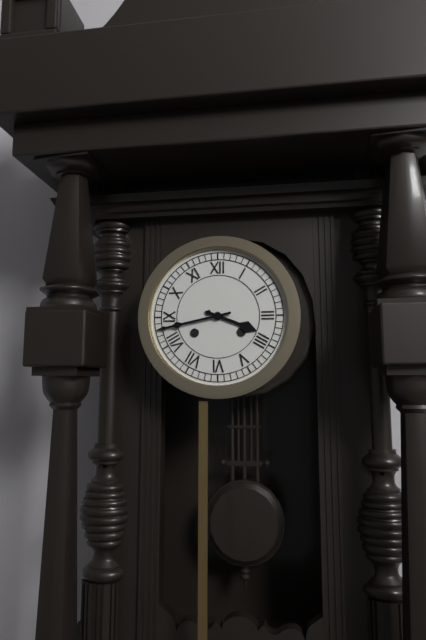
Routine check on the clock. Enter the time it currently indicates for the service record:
3:43
